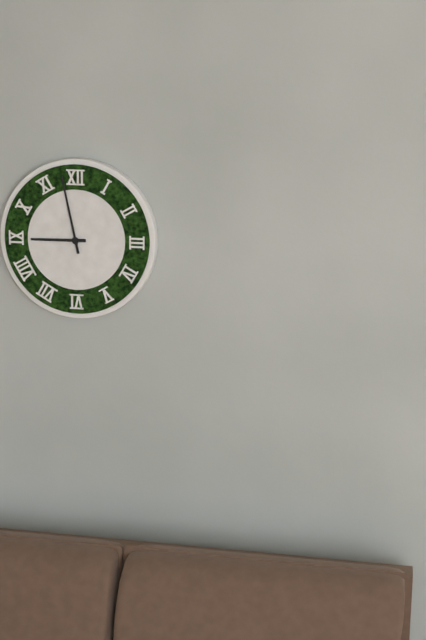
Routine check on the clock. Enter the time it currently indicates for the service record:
8:58
